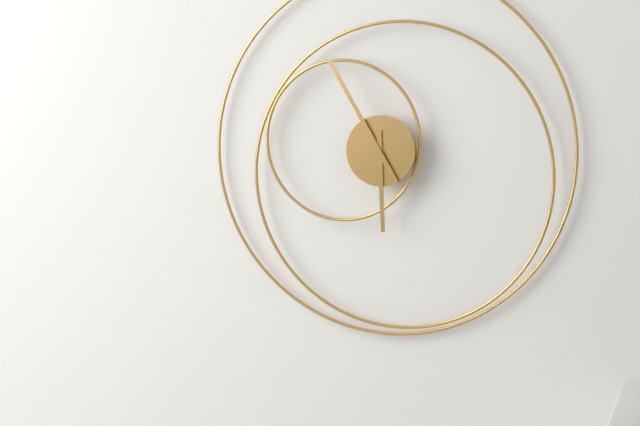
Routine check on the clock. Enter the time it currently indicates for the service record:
5:55
